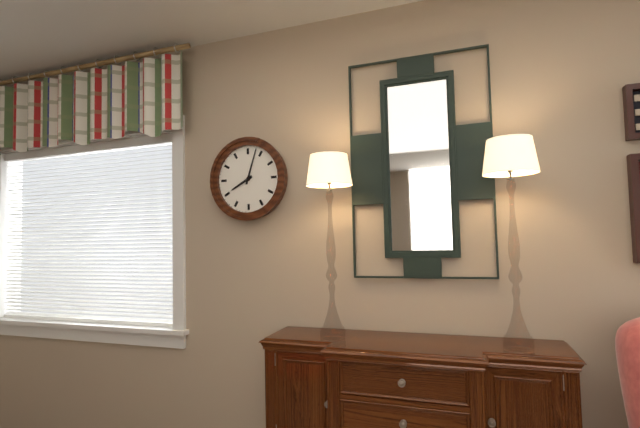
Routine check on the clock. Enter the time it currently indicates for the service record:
8:03
